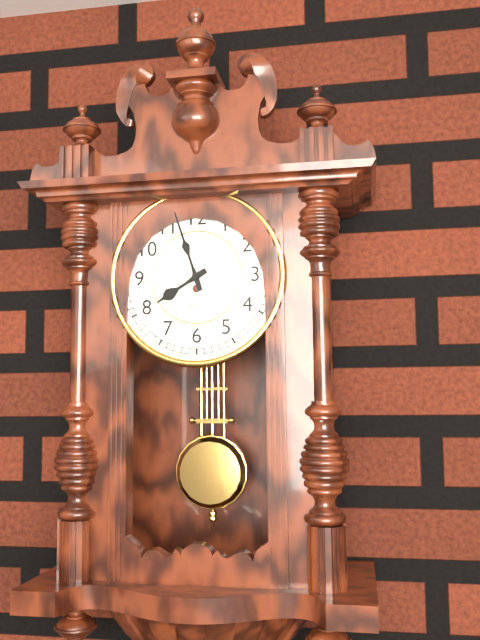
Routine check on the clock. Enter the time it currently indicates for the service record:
7:57
